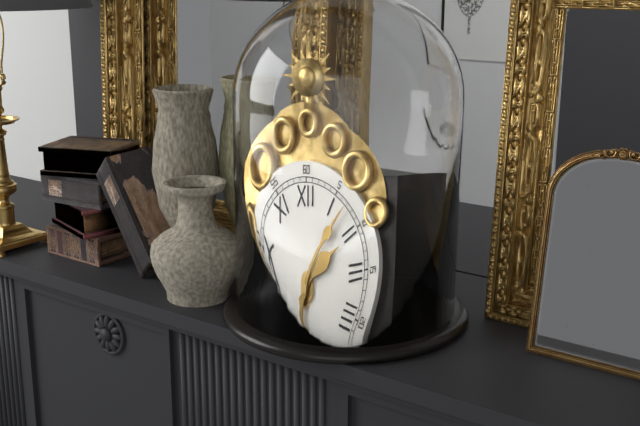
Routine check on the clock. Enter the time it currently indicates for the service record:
2:07
